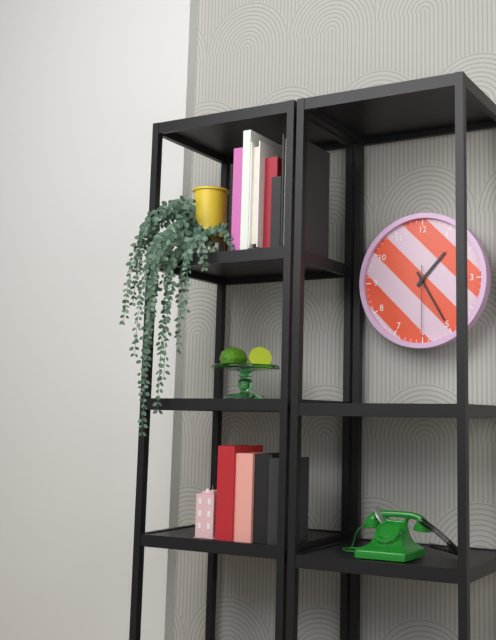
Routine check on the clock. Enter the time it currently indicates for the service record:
1:25:30
